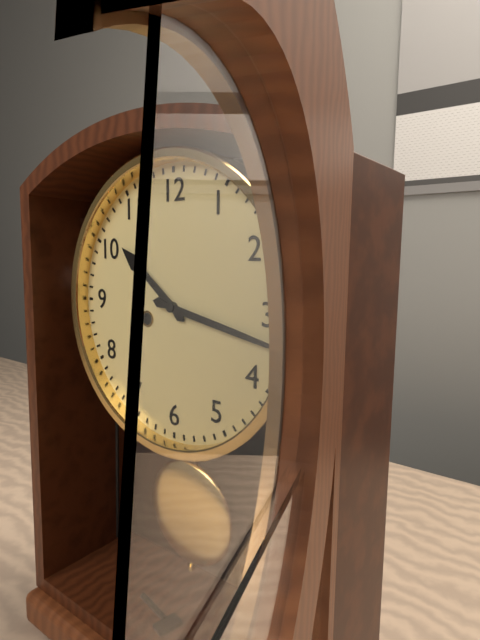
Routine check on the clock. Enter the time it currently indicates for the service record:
10:17
